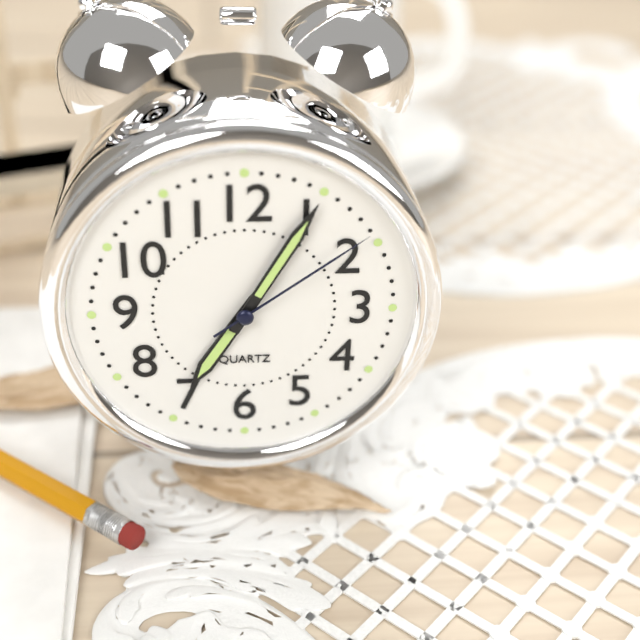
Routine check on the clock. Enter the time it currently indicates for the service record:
7:05:09
